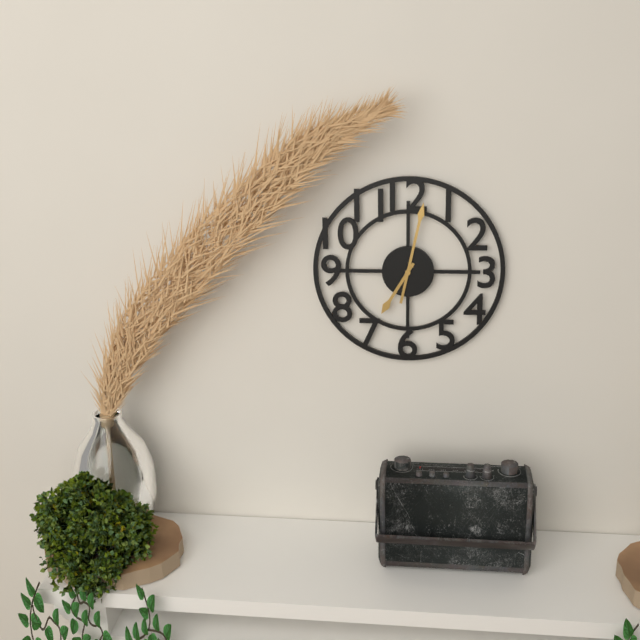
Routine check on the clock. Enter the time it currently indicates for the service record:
7:02
